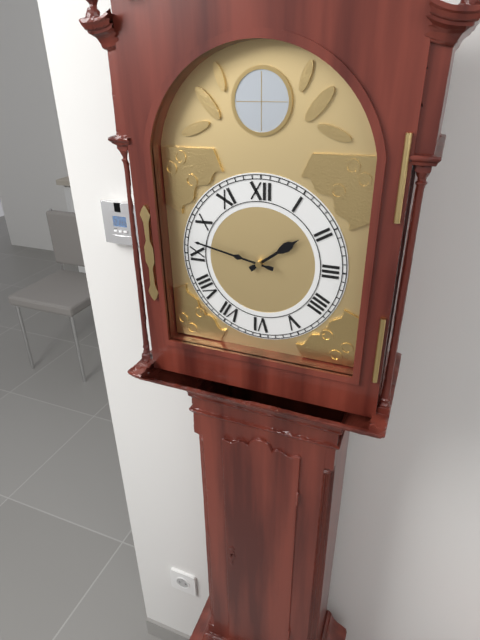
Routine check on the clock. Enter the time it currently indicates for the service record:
1:47
